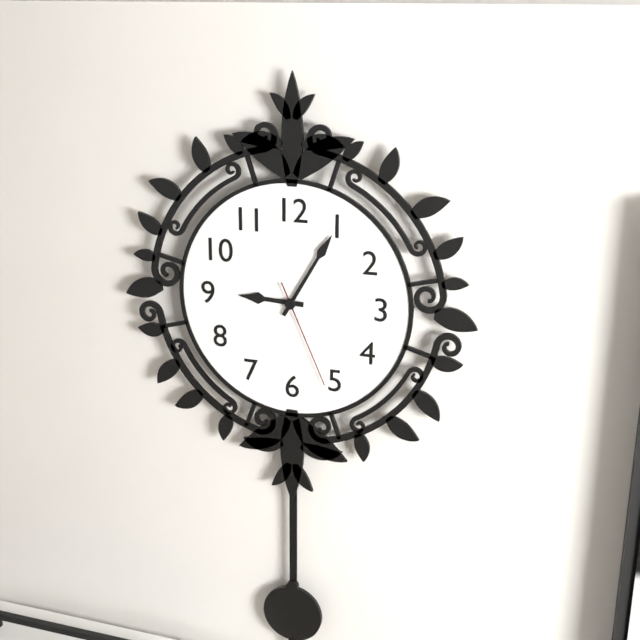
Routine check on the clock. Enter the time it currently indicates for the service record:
9:05:26
